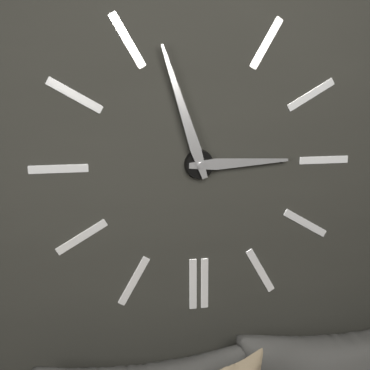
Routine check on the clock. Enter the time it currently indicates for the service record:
2:57
